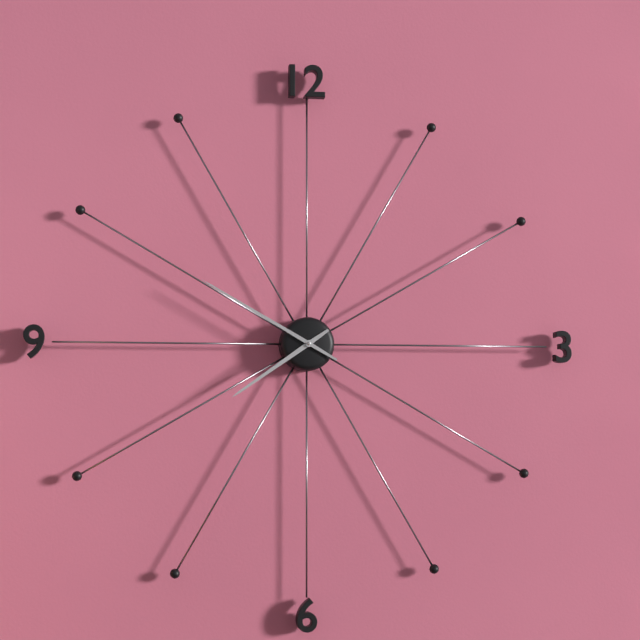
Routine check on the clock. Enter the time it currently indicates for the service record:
7:50
